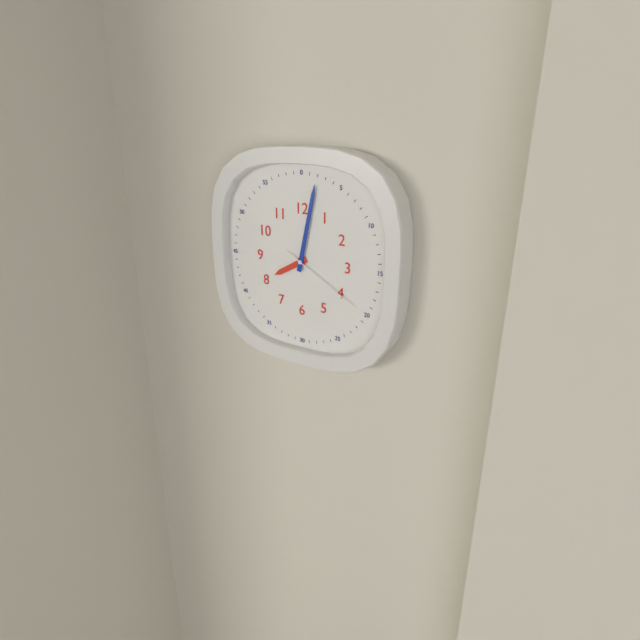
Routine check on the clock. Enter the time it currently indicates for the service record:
8:02:20
